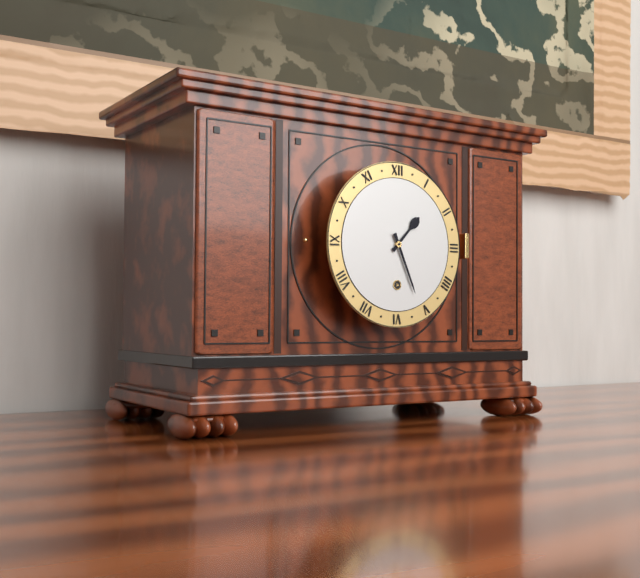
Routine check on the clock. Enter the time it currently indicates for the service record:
1:26
